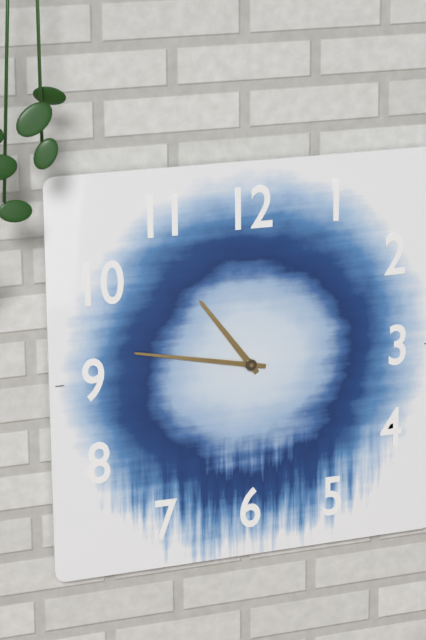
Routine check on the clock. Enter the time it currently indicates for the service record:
10:47
